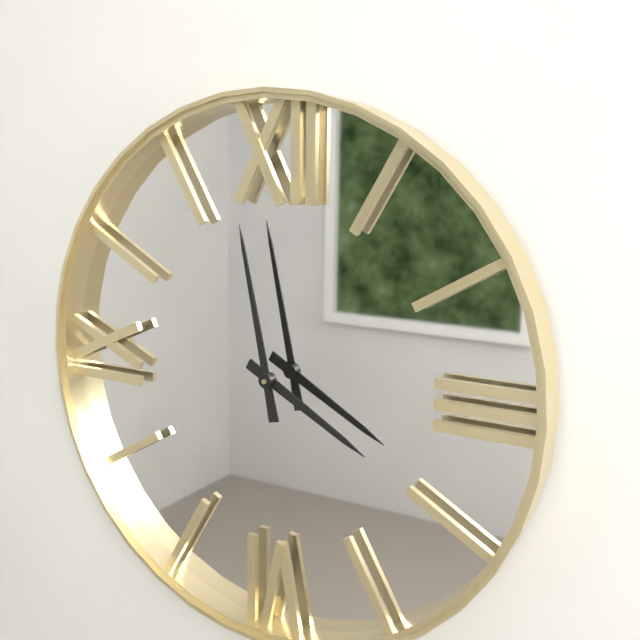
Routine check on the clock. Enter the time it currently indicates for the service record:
3:58
